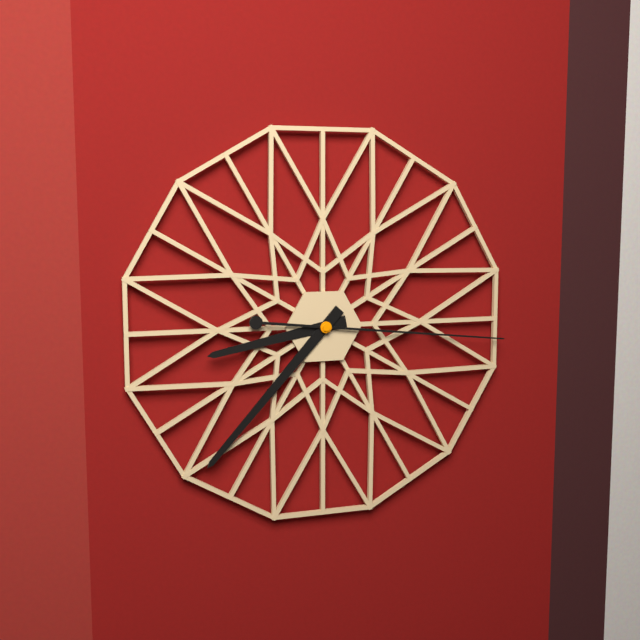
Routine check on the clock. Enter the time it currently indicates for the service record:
8:37:16
